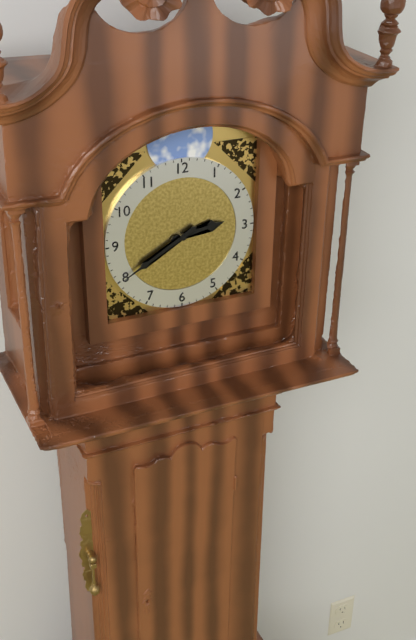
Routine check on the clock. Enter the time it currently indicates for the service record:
2:40
